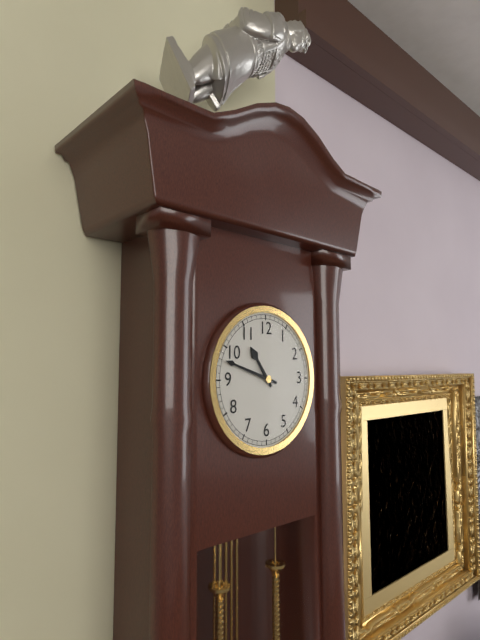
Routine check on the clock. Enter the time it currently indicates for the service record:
10:48
